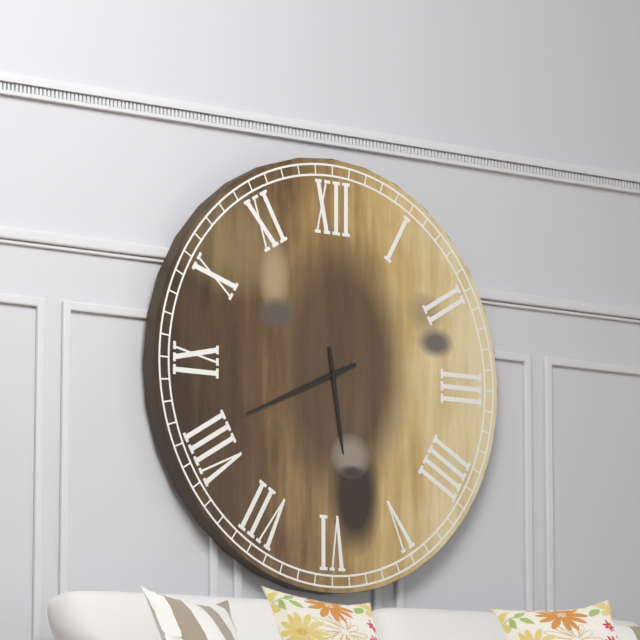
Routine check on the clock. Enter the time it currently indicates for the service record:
5:41
